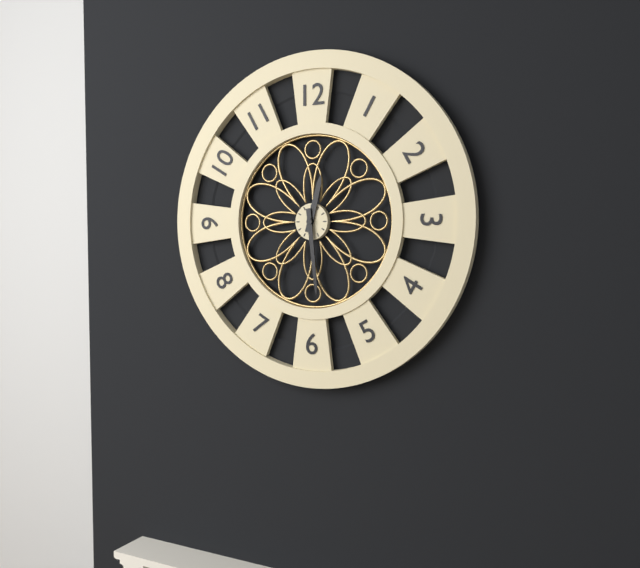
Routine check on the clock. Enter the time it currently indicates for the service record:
12:29
